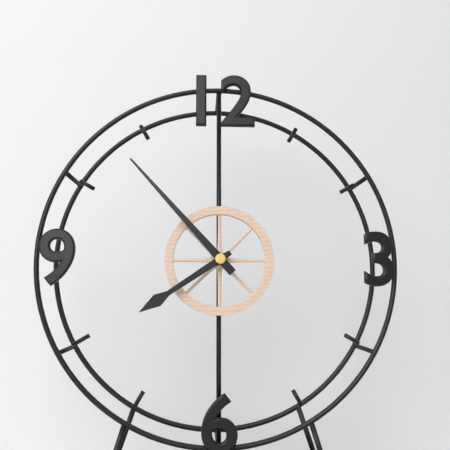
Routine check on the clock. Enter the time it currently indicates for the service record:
7:53
